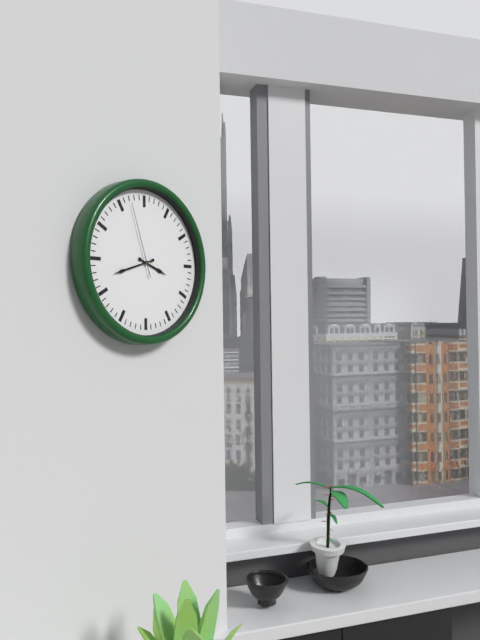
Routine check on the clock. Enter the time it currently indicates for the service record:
3:42:57
